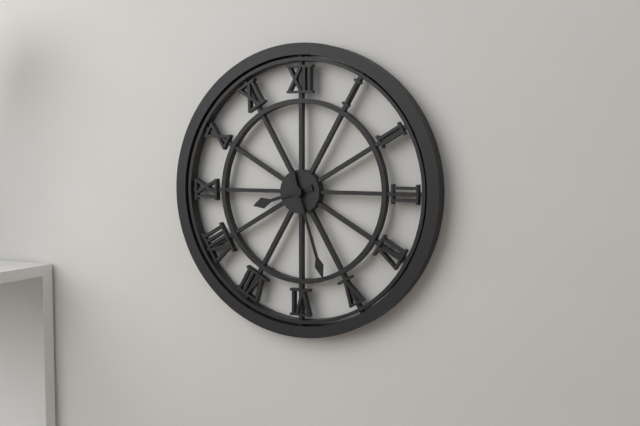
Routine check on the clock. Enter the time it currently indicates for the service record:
8:27
